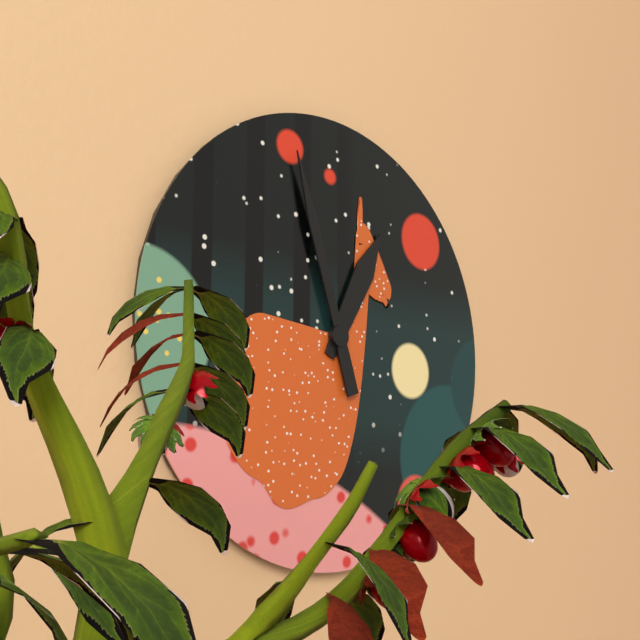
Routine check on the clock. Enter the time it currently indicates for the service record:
12:57
